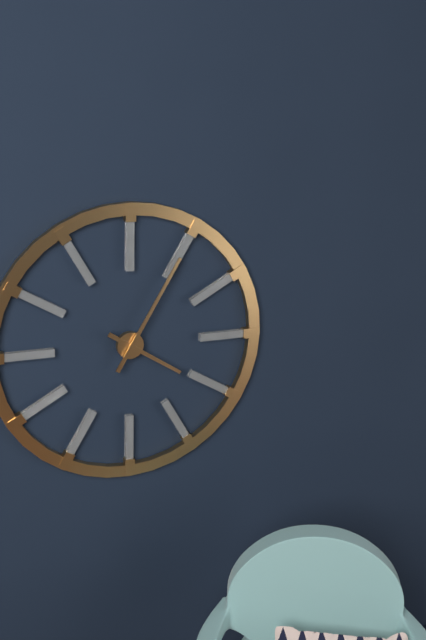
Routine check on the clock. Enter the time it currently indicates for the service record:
4:05
